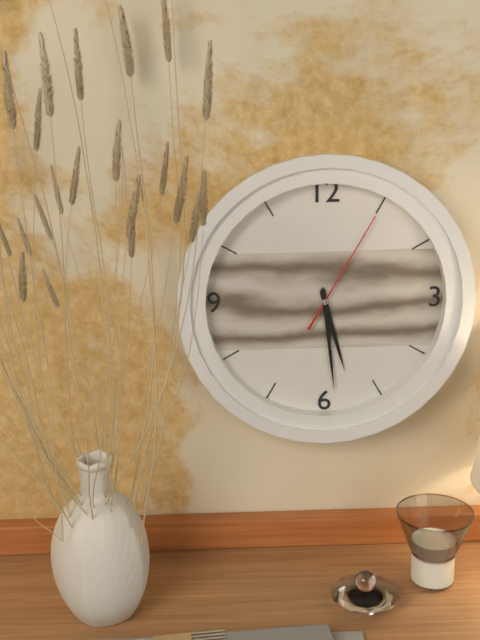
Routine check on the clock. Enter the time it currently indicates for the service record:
5:29:05
